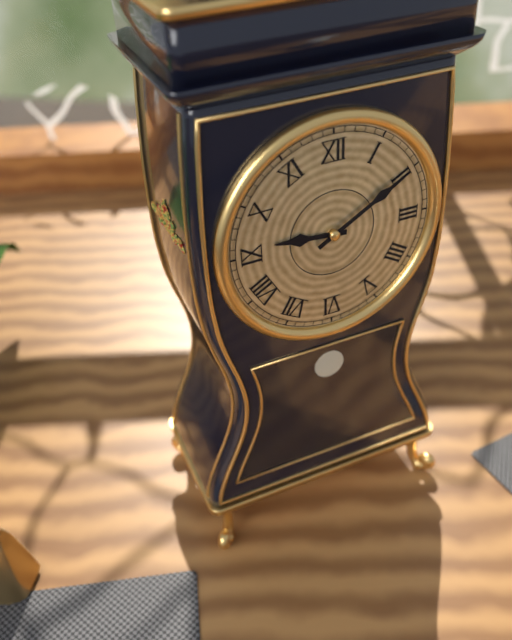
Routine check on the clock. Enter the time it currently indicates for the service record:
9:10
